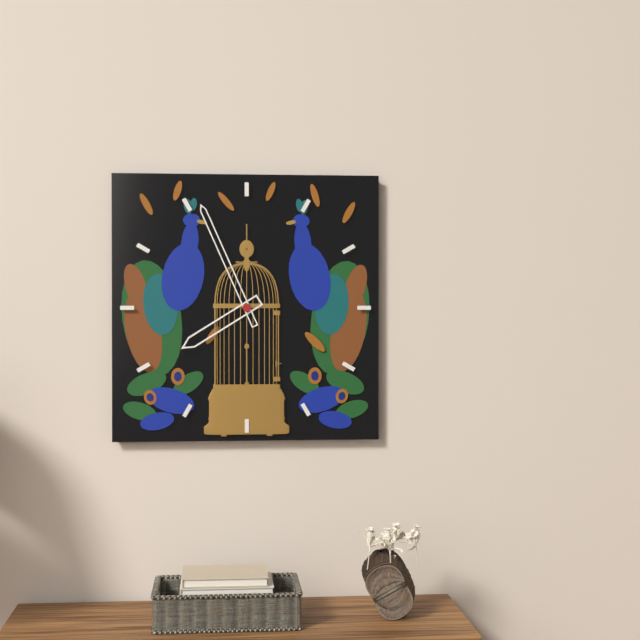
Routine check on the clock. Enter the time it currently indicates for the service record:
7:56
